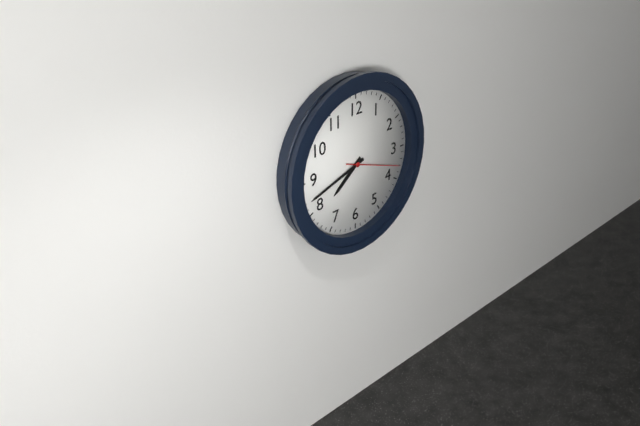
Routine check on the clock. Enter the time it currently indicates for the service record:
7:42:18
